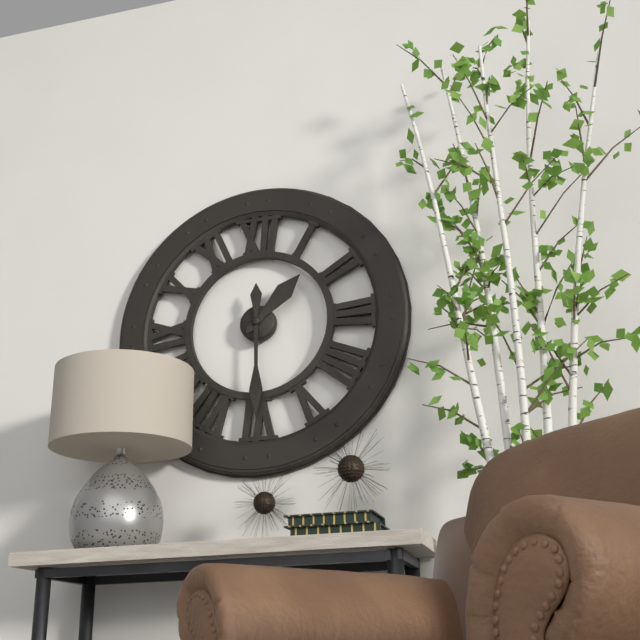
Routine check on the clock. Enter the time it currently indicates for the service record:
1:30
